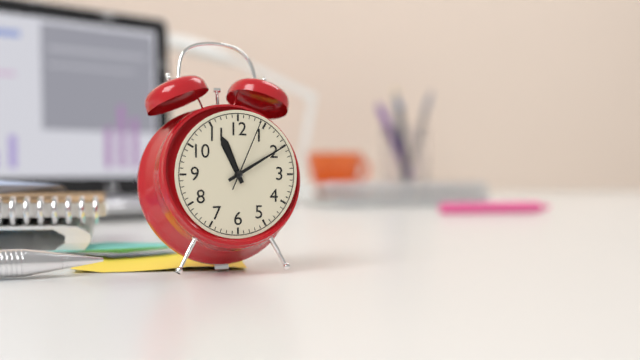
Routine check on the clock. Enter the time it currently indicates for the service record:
11:10:04
